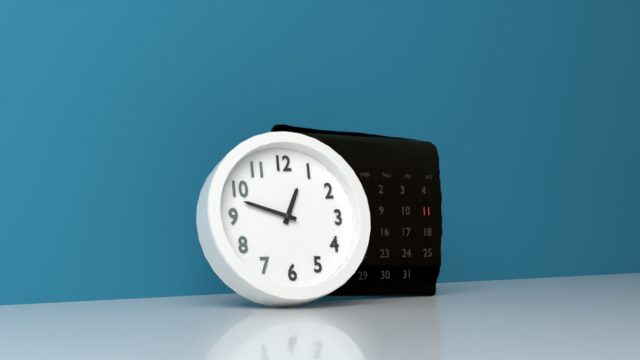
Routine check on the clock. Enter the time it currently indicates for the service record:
12:48
